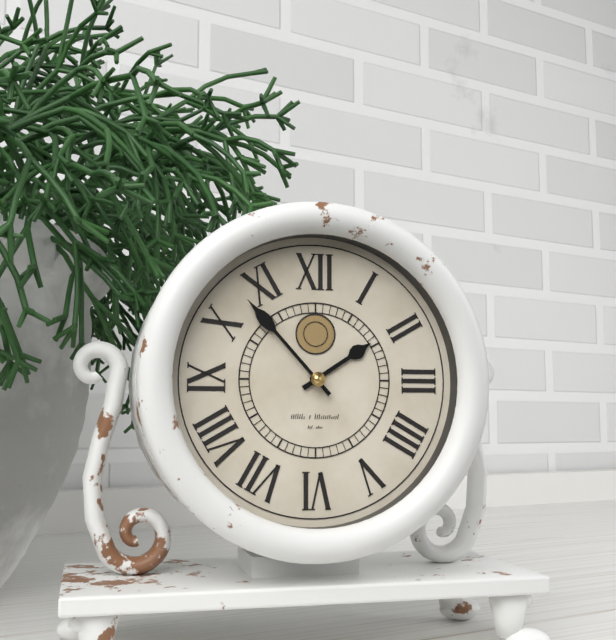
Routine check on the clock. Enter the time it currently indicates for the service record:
1:53
